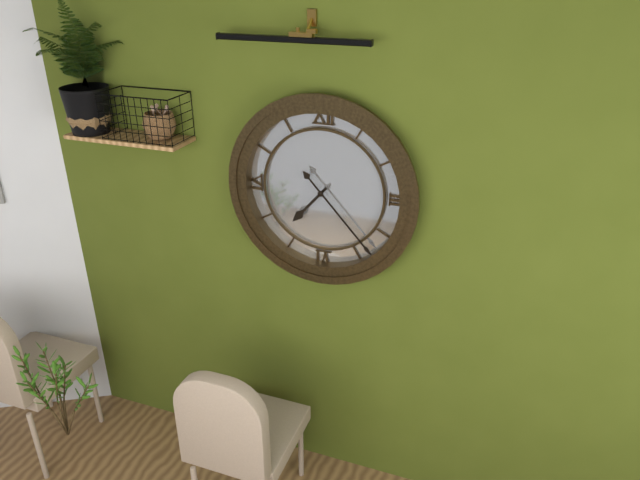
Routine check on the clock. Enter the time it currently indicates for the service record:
7:23
